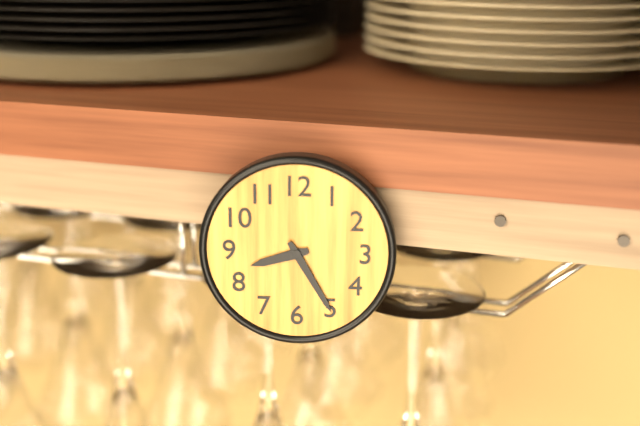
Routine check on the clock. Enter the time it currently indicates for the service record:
8:25
